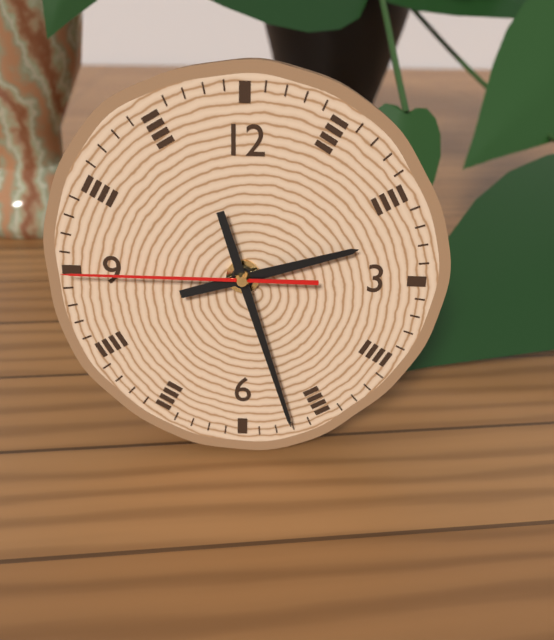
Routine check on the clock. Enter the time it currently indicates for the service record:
2:27:45
